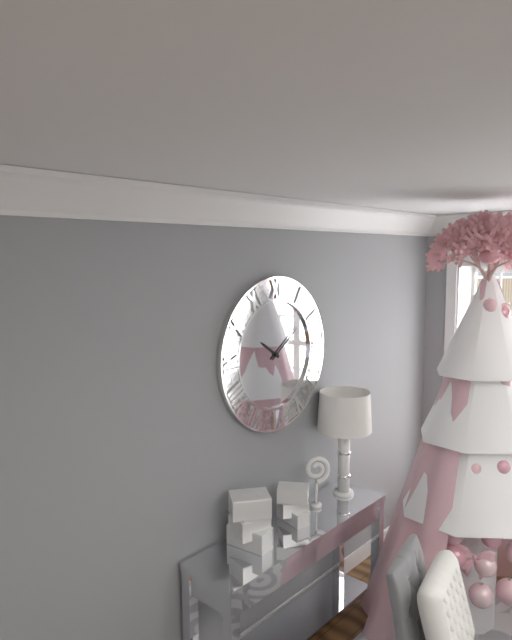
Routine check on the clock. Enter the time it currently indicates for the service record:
10:09
